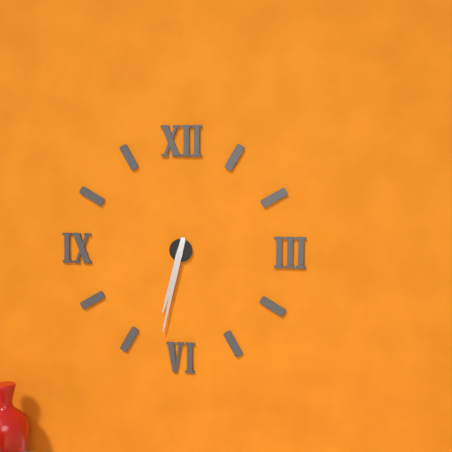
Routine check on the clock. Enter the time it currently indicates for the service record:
6:32
